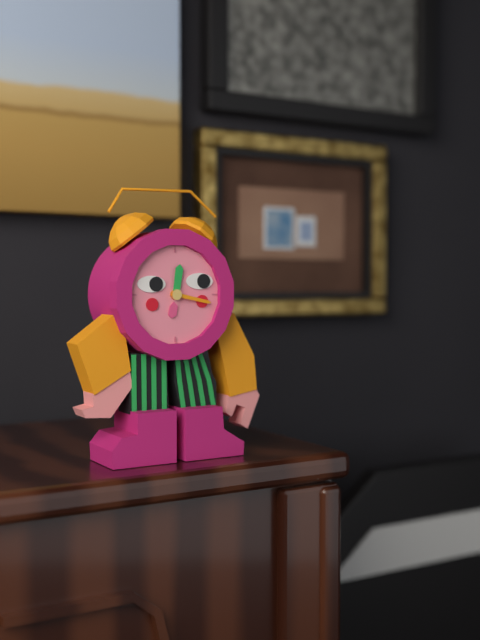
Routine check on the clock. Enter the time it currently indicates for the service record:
12:17
